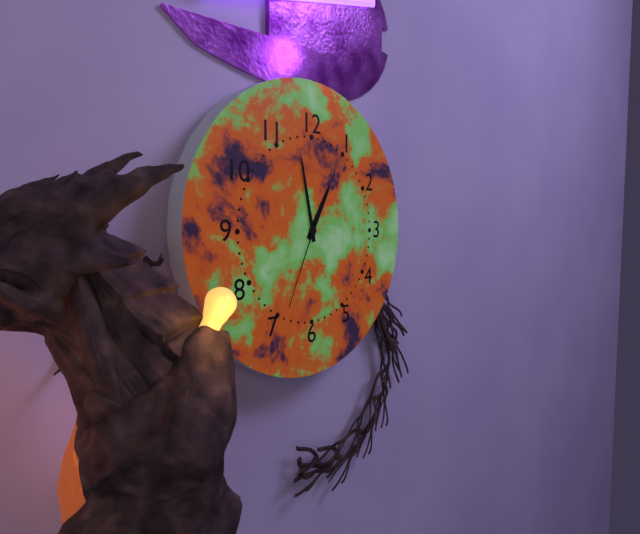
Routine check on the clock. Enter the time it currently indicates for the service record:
12:58:34
